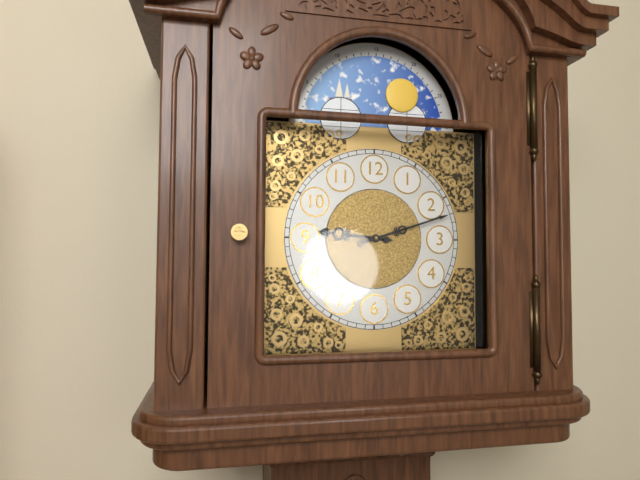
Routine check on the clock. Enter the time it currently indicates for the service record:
9:12
